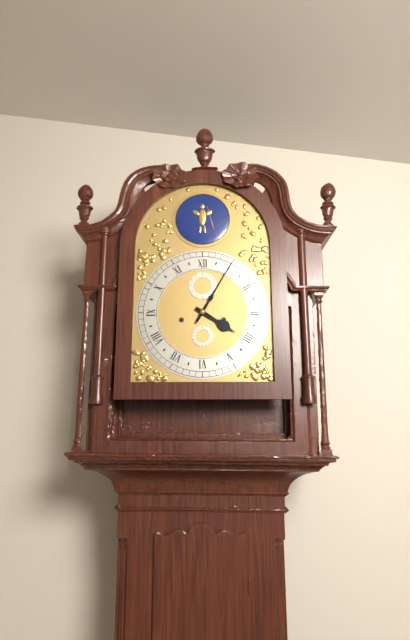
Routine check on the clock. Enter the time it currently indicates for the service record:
4:05
